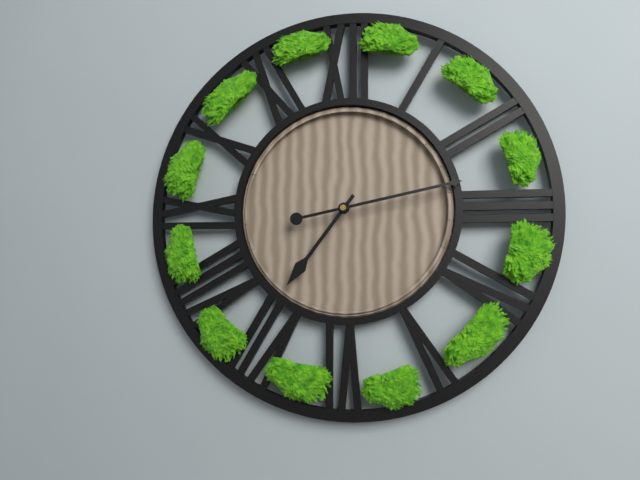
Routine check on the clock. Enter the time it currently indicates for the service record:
7:13
